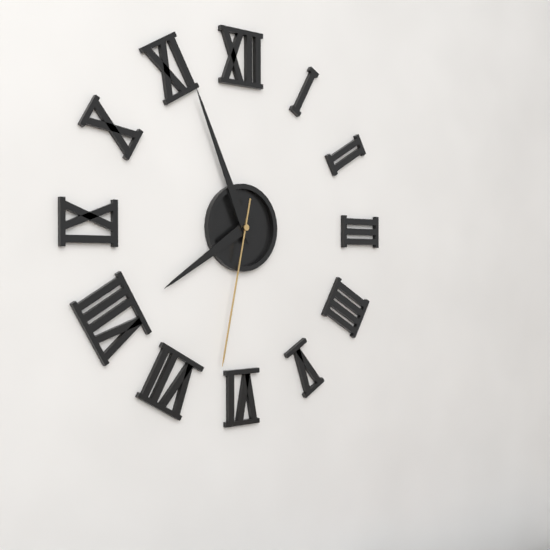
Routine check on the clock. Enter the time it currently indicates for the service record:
7:56:32
